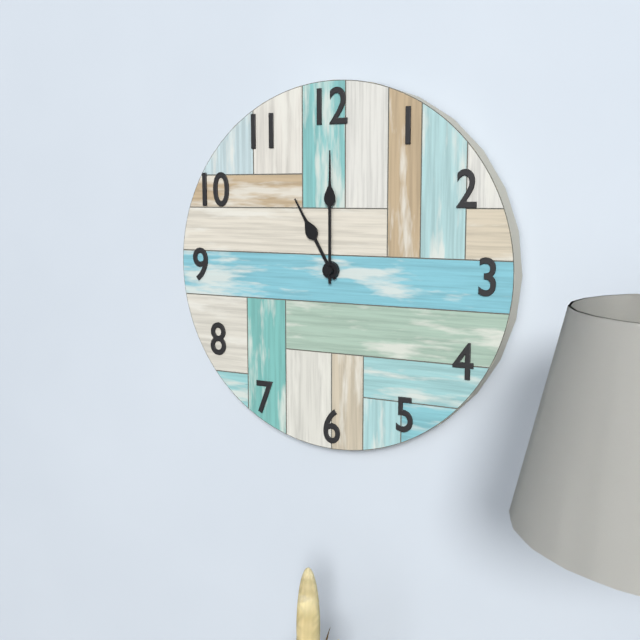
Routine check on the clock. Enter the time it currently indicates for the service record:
11:00
